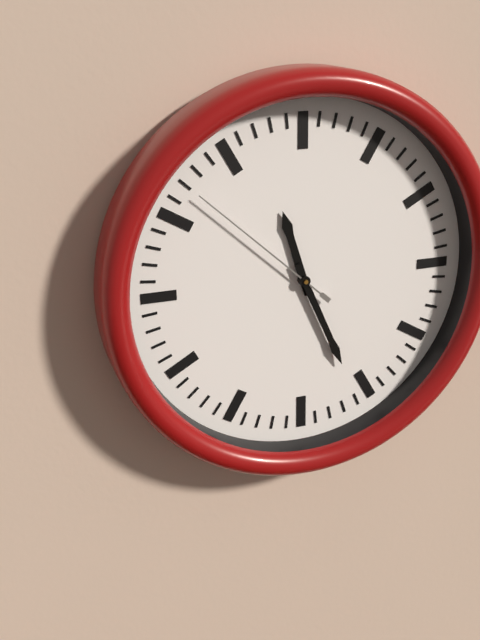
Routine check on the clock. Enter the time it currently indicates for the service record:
11:26:52
